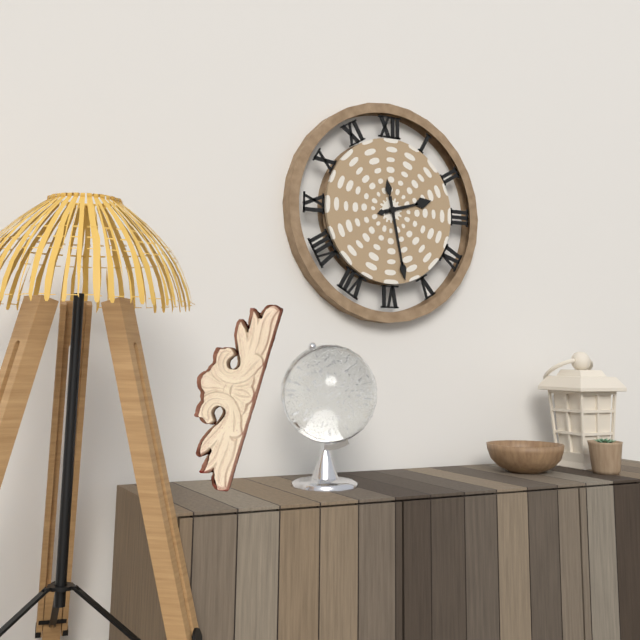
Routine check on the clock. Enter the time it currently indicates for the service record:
2:28
